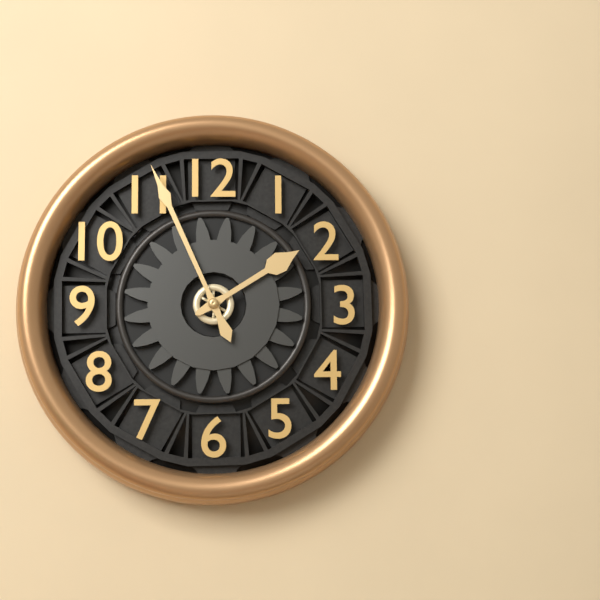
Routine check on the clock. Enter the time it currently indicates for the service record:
1:56
